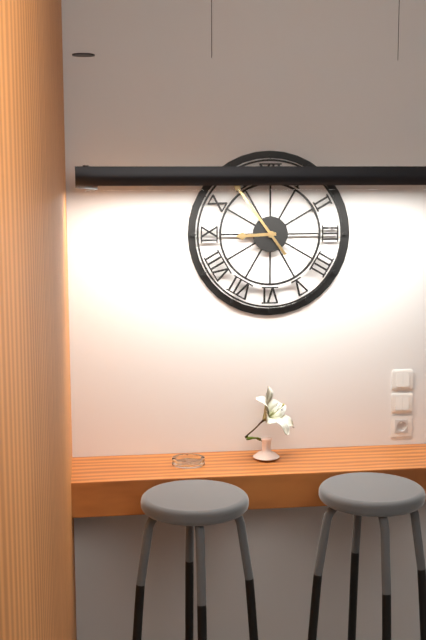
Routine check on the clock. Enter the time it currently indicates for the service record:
8:54
